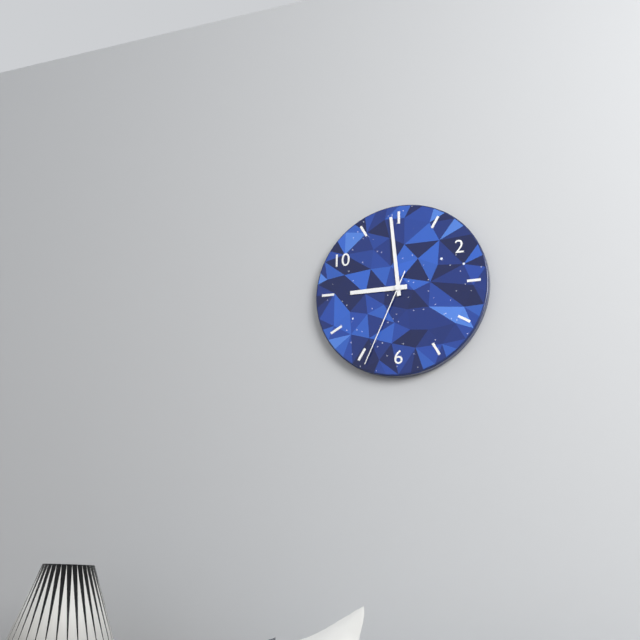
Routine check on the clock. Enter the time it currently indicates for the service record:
8:59:34
